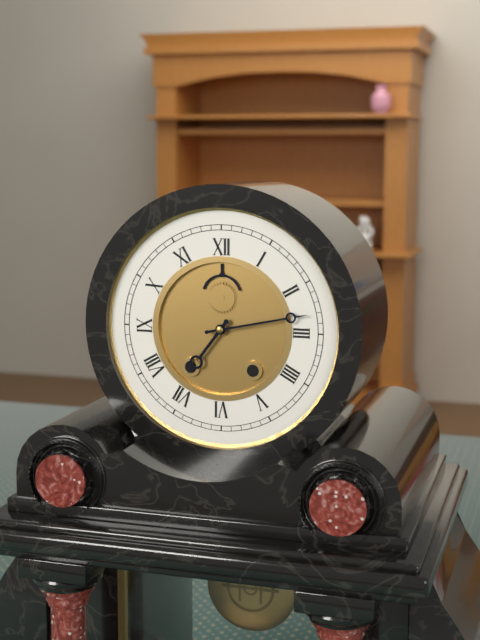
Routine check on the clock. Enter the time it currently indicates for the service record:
7:13
